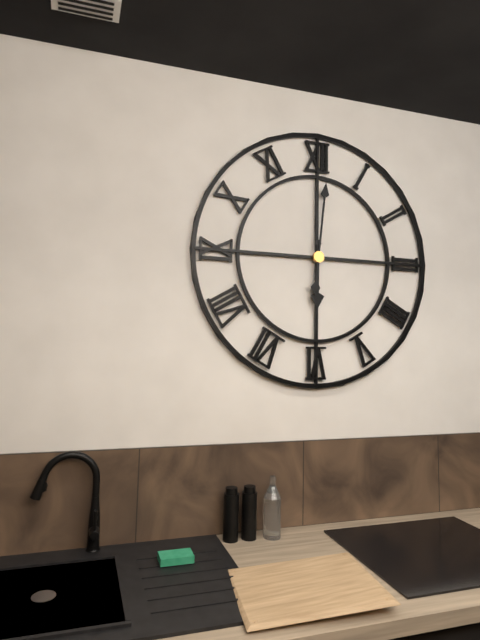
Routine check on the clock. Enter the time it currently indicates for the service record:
6:01
